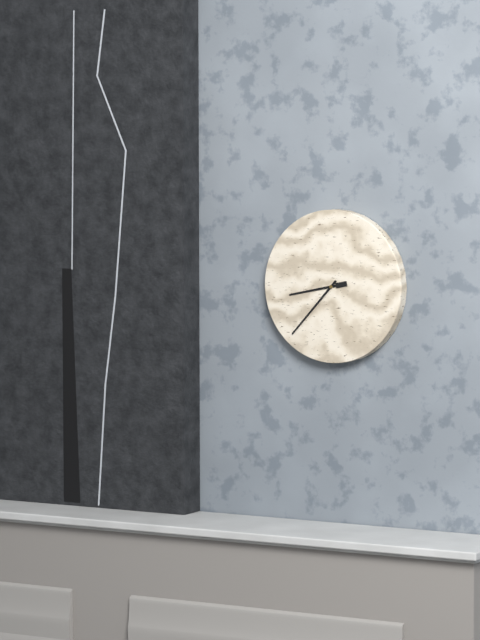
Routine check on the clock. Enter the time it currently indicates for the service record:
8:37
